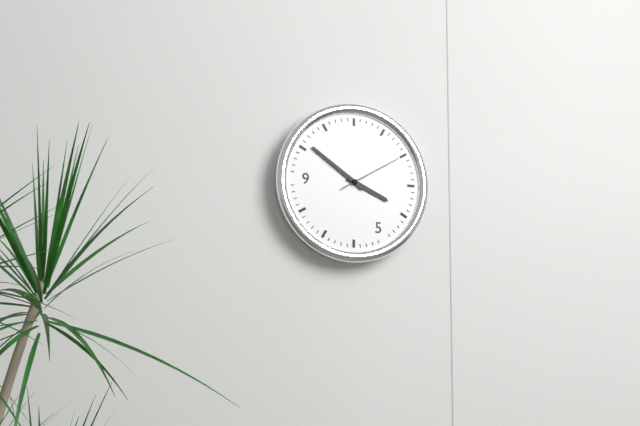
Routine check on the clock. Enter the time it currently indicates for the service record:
3:51:10
